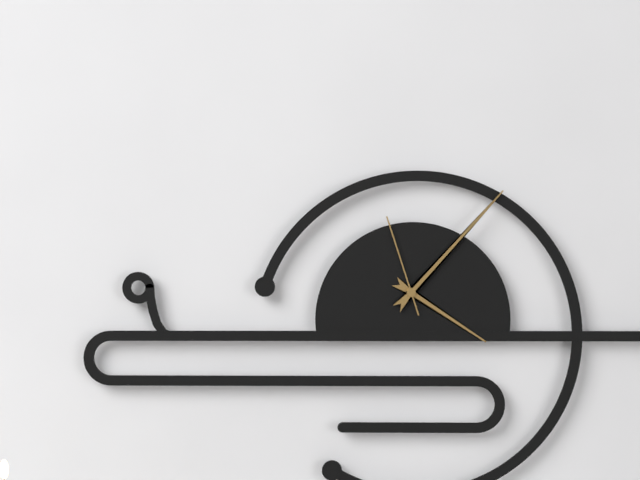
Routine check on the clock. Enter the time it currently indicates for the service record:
4:07:57
